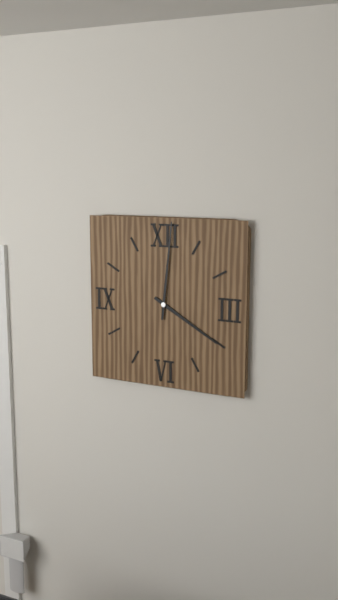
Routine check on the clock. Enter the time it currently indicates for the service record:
4:01
